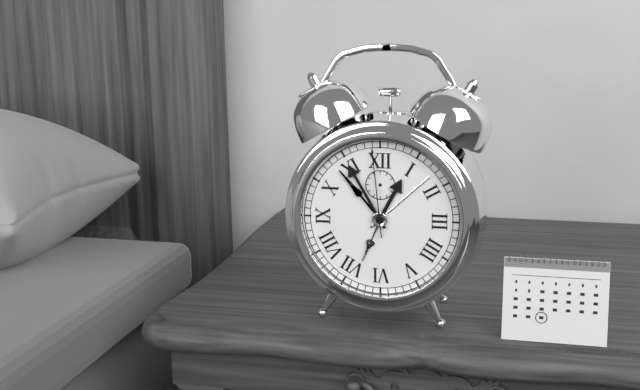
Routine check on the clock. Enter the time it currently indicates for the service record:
12:55:59
